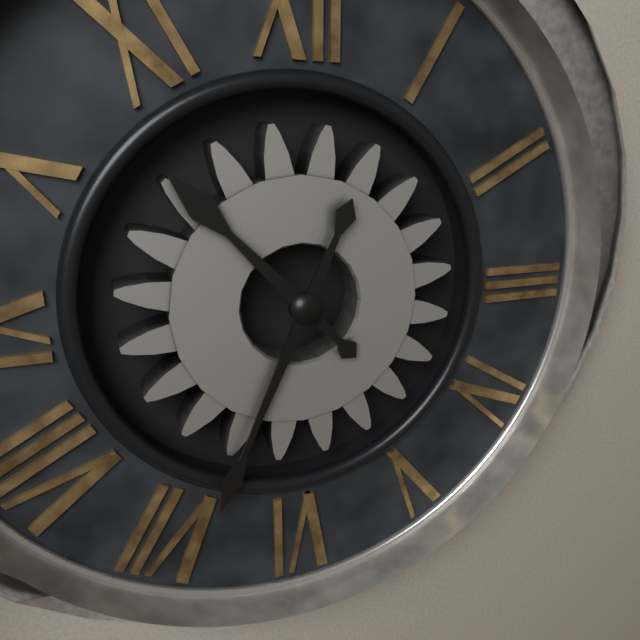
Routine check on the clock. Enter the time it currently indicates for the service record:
10:34
